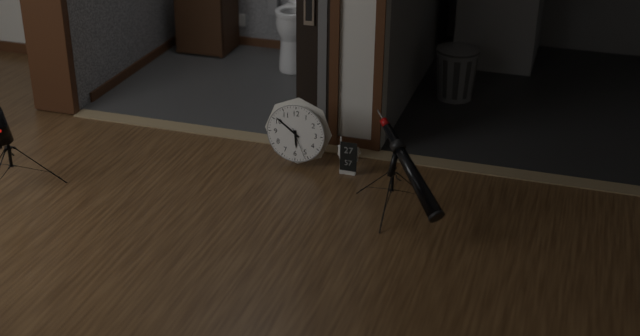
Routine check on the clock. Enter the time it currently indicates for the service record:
5:51
